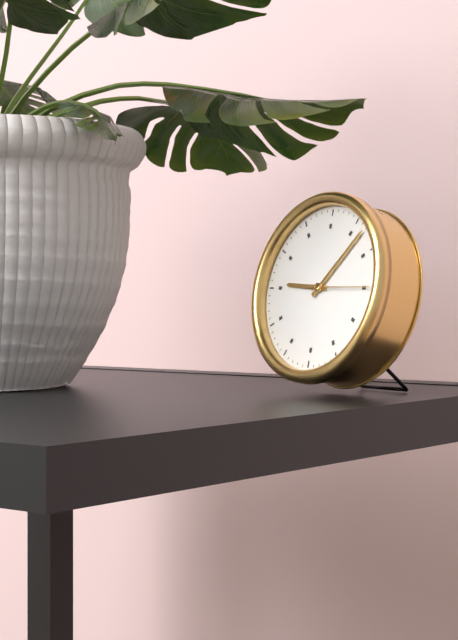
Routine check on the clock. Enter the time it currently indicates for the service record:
9:07:15
